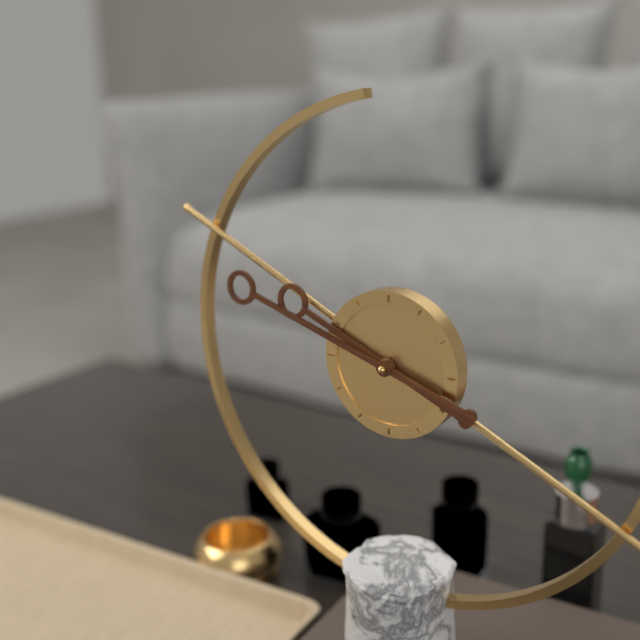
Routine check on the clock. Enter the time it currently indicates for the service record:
9:48
